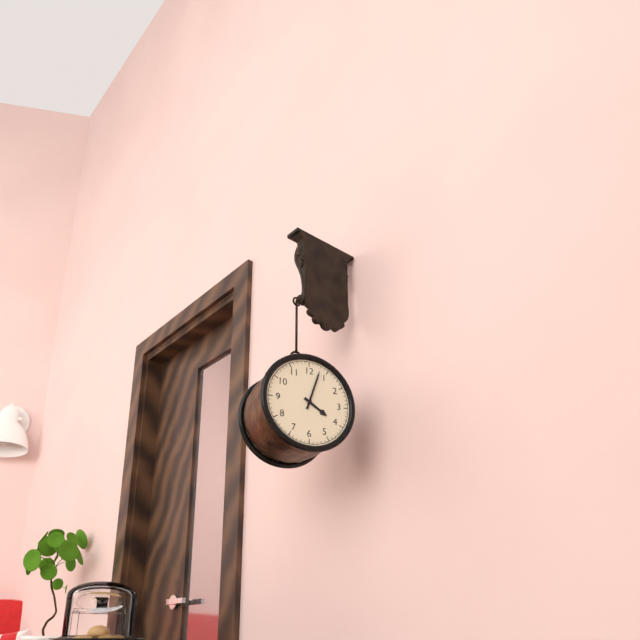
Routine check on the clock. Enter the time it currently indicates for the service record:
4:03
